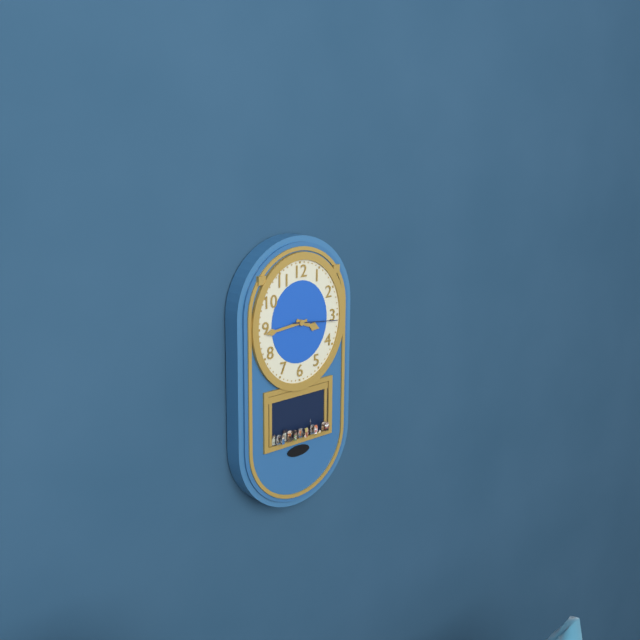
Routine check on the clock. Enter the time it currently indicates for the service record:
3:44:16
